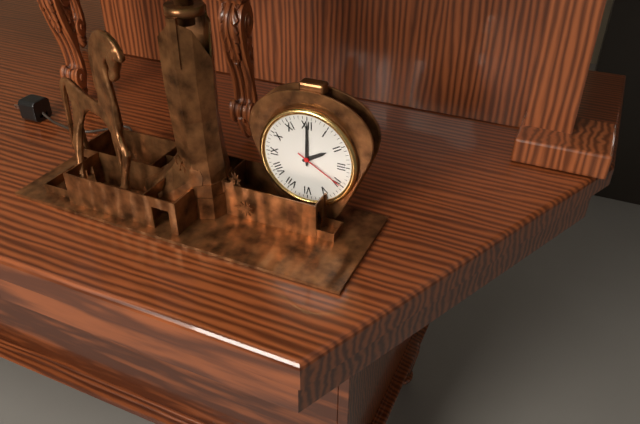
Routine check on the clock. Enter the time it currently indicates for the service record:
2:00:20
